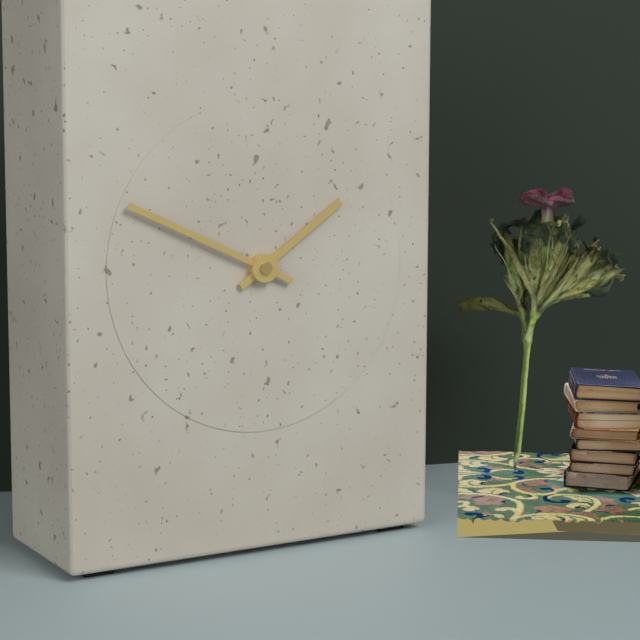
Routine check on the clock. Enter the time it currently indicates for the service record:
1:49
